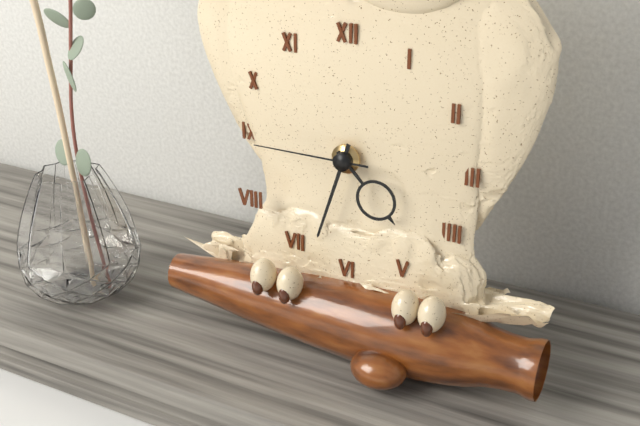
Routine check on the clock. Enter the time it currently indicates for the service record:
4:33:45
